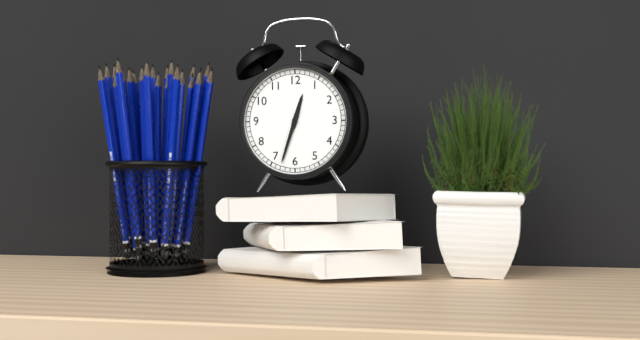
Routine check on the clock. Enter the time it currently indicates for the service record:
12:33
